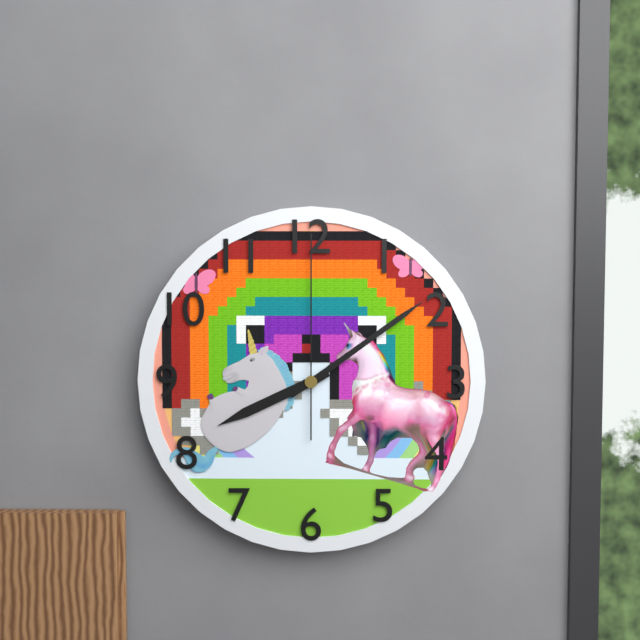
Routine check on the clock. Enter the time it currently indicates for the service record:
8:09:00
